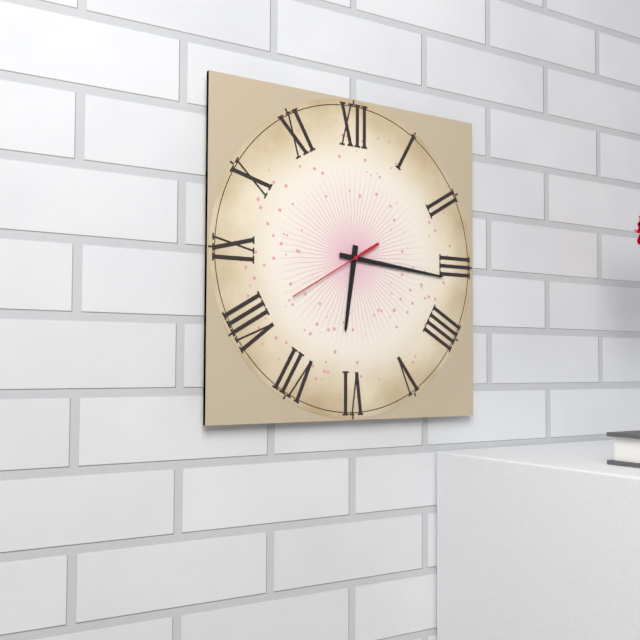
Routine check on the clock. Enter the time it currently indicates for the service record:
6:16:40
